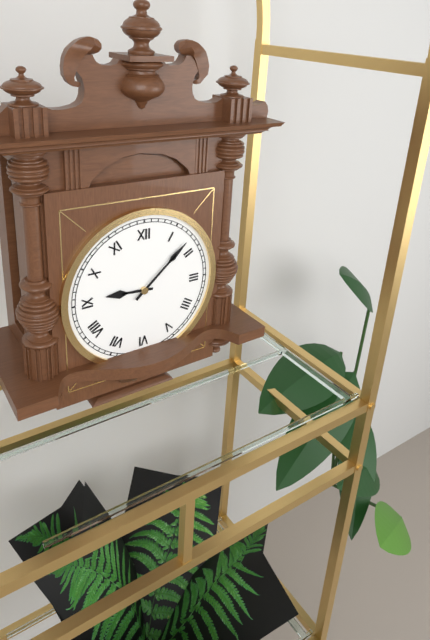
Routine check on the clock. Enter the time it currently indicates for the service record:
9:08
